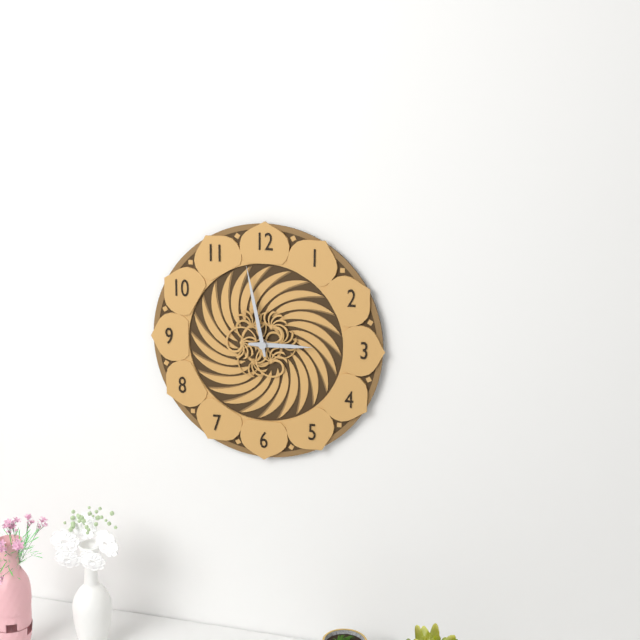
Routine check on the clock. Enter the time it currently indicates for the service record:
2:58
